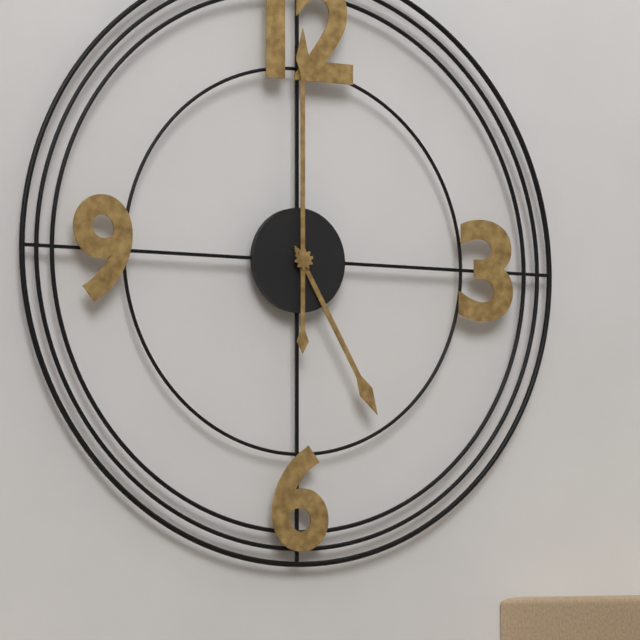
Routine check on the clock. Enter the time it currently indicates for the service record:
5:00
